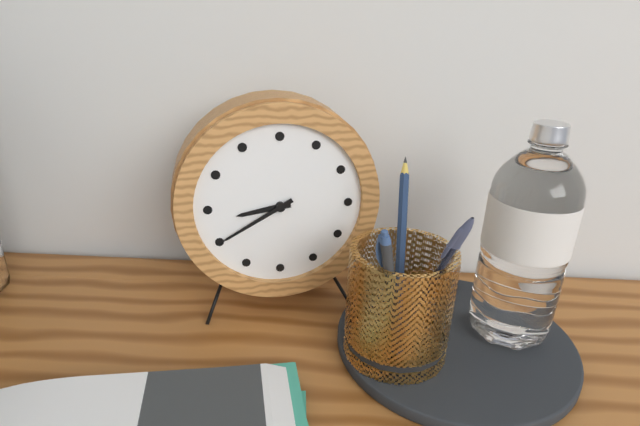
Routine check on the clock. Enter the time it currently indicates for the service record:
8:40
